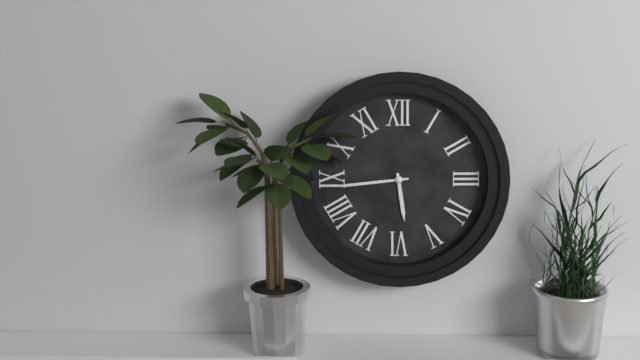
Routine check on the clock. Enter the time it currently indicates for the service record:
5:44
